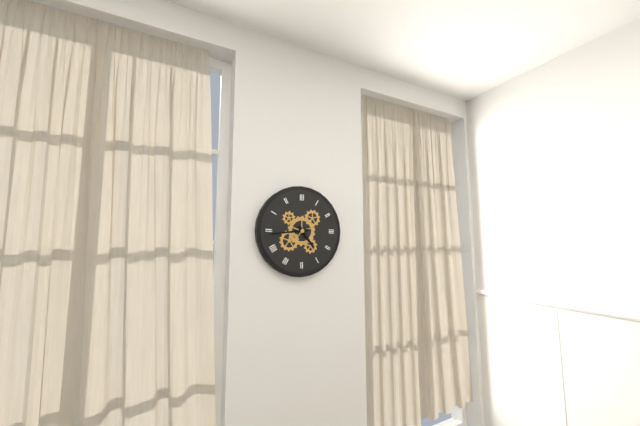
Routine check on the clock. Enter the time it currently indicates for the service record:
4:44
